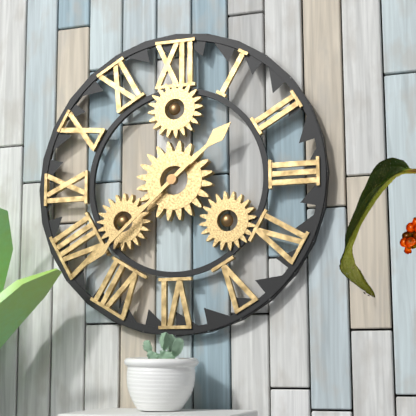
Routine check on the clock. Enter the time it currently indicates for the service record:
1:38
